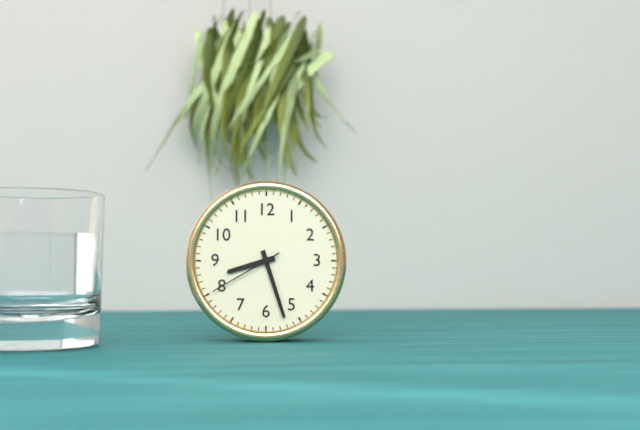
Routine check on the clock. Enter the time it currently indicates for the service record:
8:27:40
